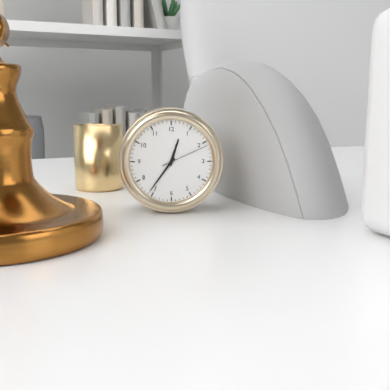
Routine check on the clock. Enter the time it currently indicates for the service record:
12:36
